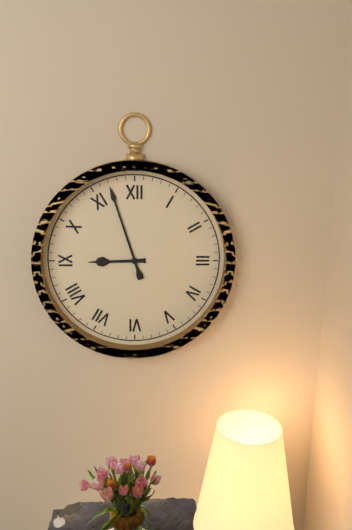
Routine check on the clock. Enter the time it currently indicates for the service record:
8:57
